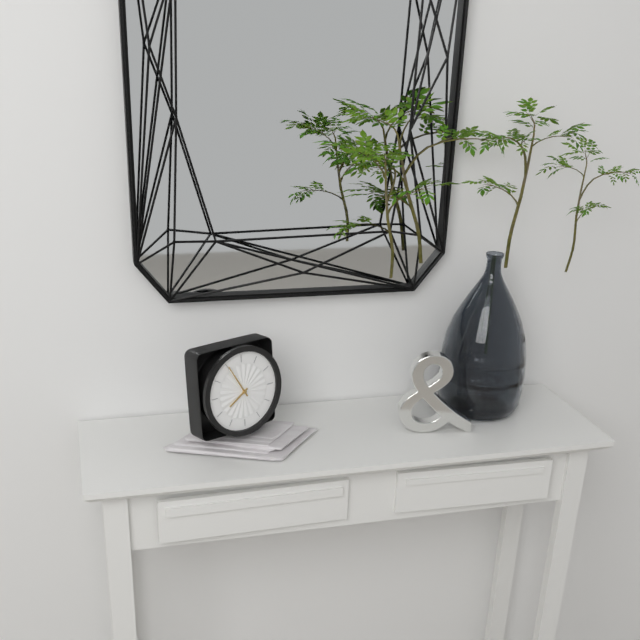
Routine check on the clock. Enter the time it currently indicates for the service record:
7:55
